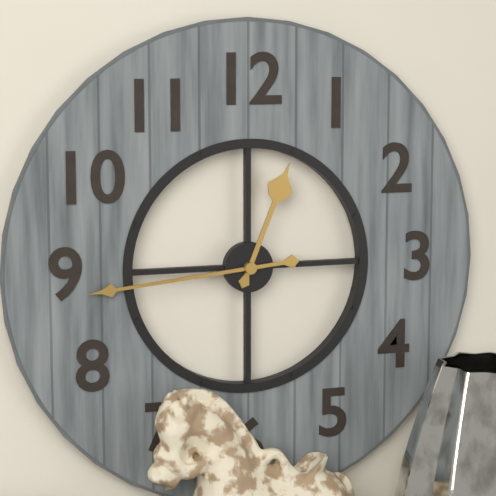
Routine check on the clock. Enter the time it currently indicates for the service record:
12:44
